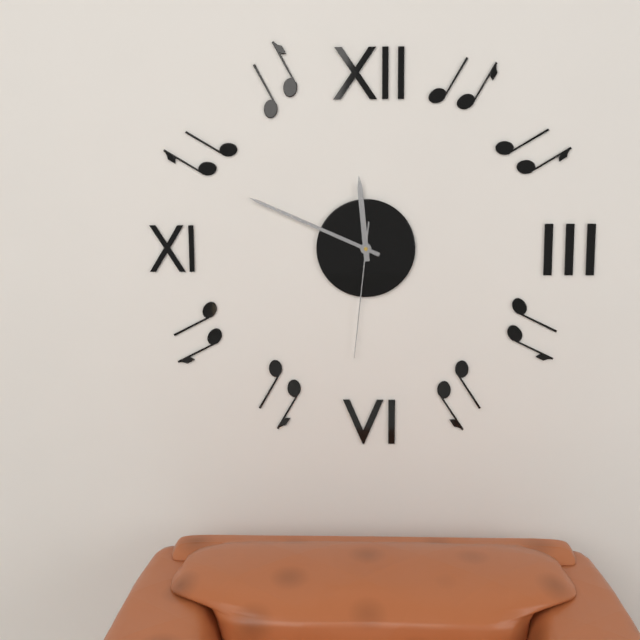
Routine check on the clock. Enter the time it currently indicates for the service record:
11:49:31
